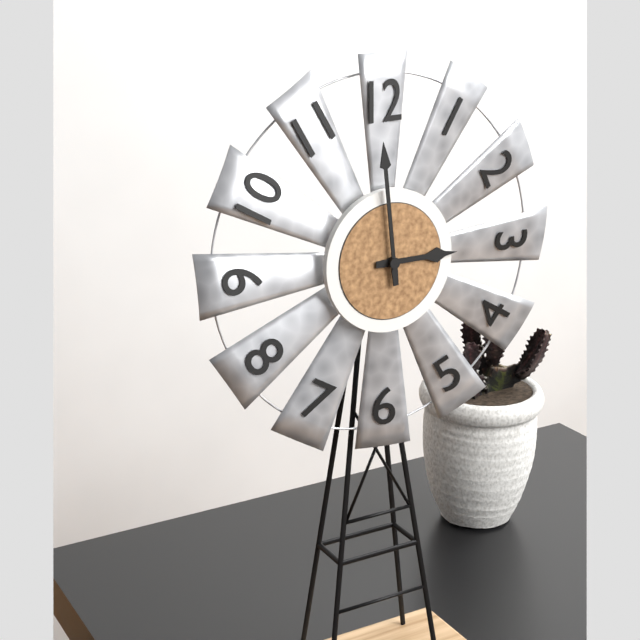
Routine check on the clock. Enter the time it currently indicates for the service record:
2:59
